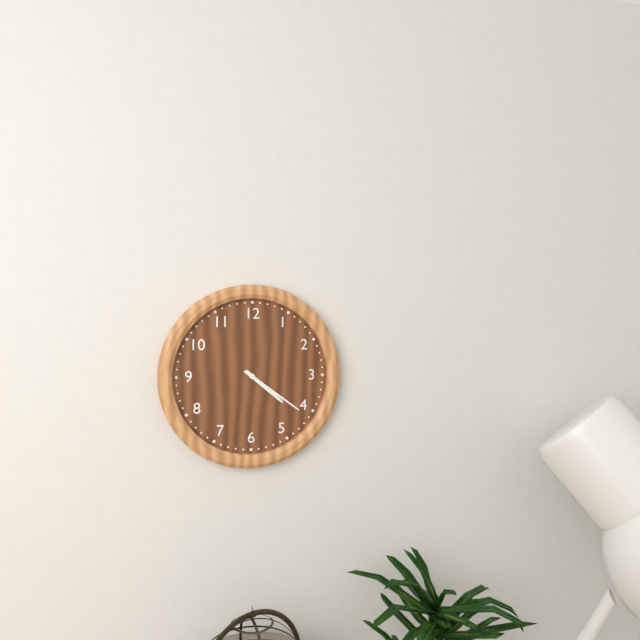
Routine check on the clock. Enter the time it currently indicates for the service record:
4:21
